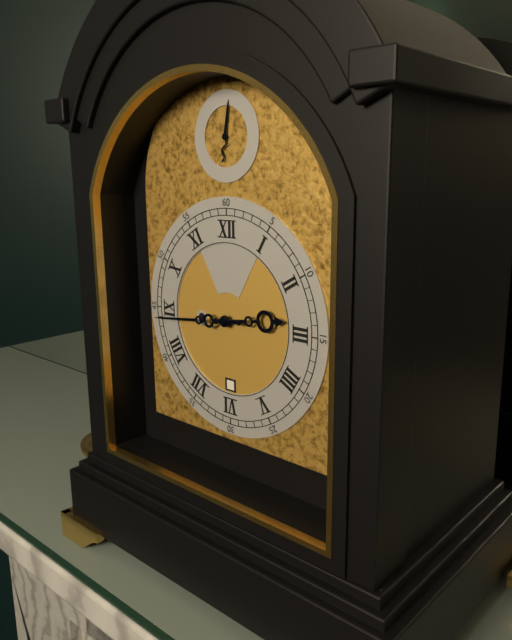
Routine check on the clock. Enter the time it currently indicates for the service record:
2:44
